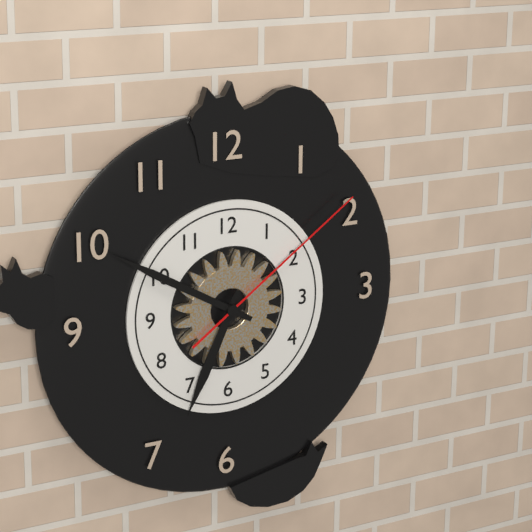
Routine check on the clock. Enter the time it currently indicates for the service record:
6:50:09
